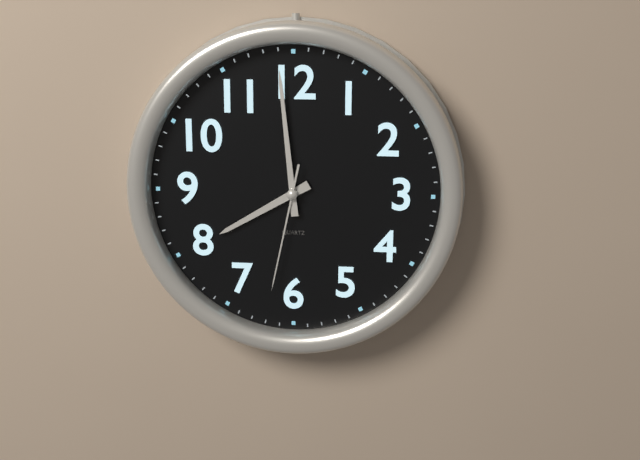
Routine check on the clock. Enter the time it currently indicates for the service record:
7:59:32
